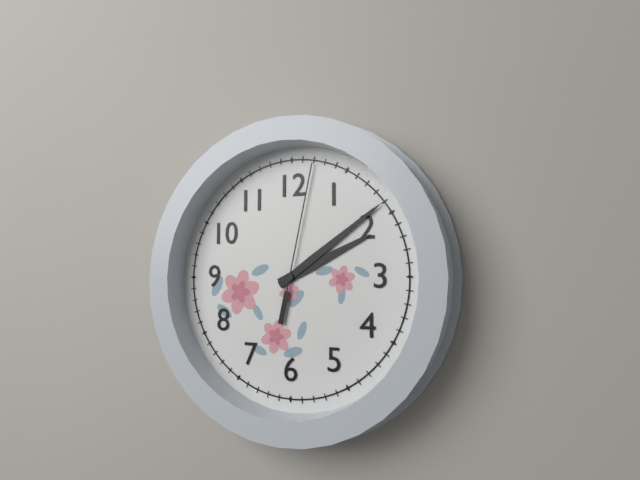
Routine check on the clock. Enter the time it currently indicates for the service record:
2:09:02
